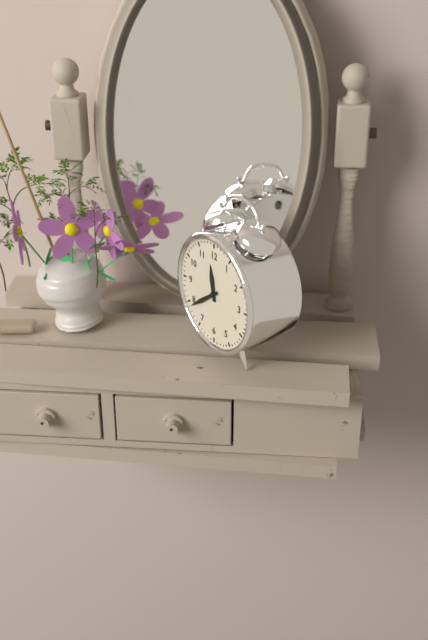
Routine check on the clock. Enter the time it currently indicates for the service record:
11:39
